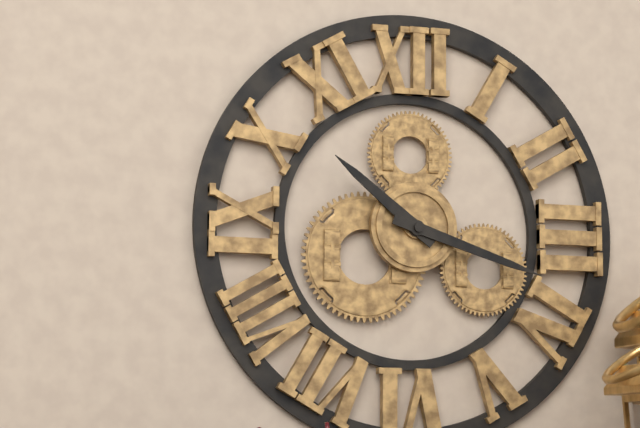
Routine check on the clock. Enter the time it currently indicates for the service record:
10:18
